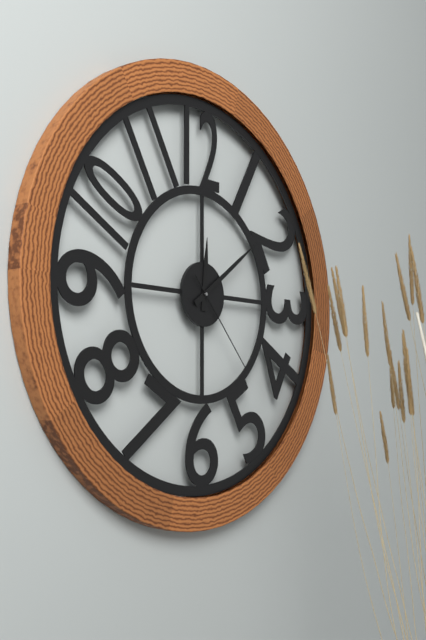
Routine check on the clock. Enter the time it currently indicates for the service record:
12:09:23
